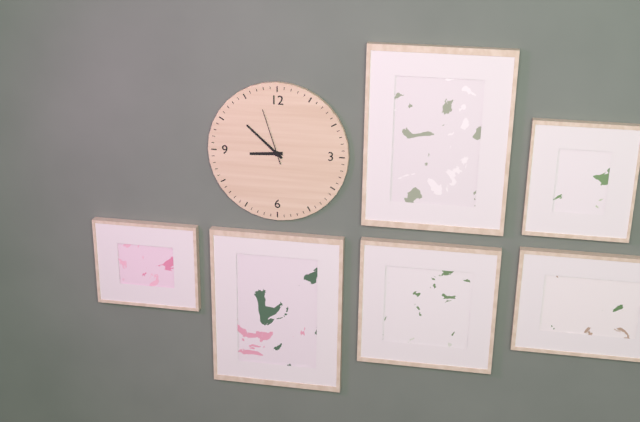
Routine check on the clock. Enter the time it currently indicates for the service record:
8:52:57
